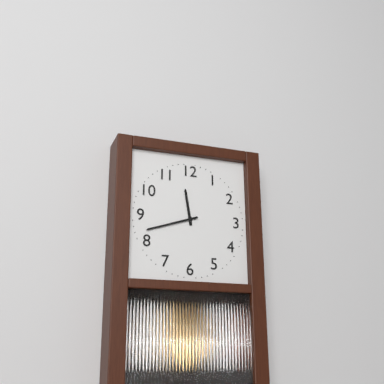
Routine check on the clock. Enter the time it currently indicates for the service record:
11:42
